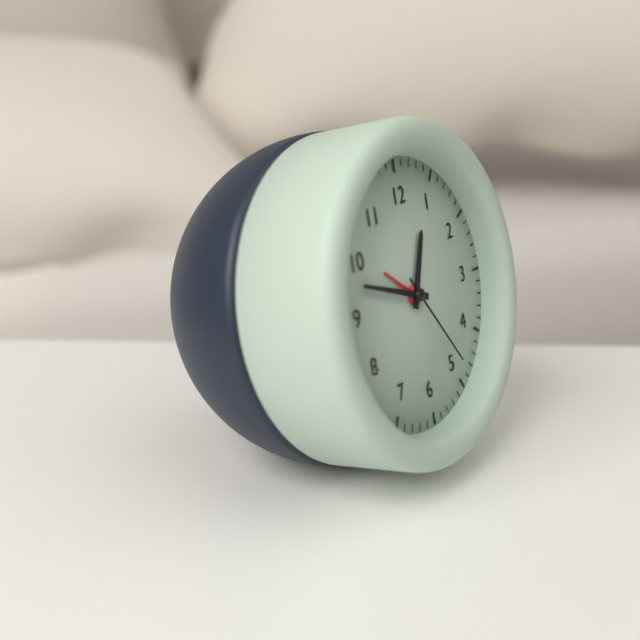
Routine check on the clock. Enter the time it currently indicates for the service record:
12:48:24
